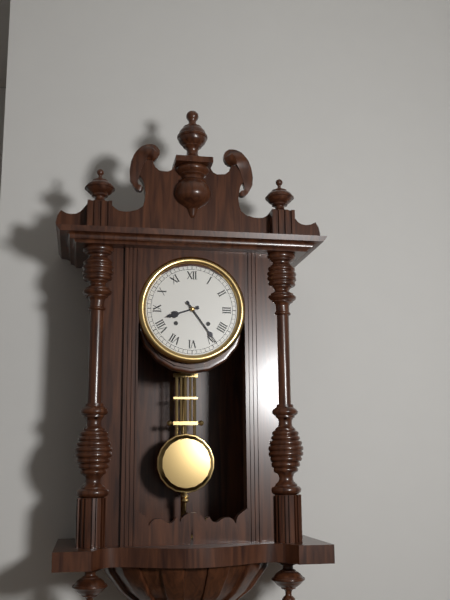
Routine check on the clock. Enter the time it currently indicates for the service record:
8:24
